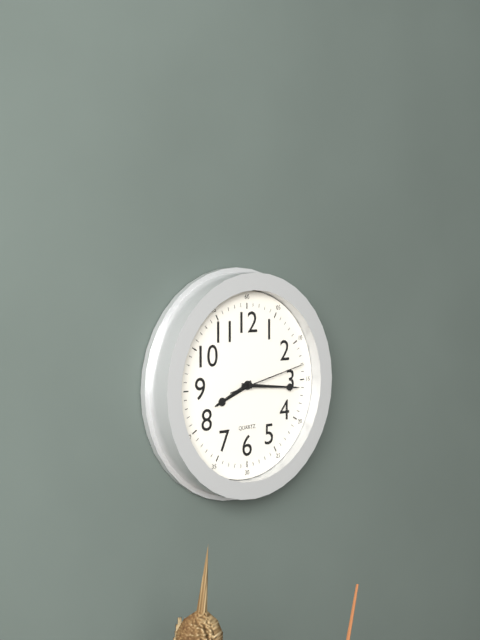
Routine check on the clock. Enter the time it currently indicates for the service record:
8:16:13
